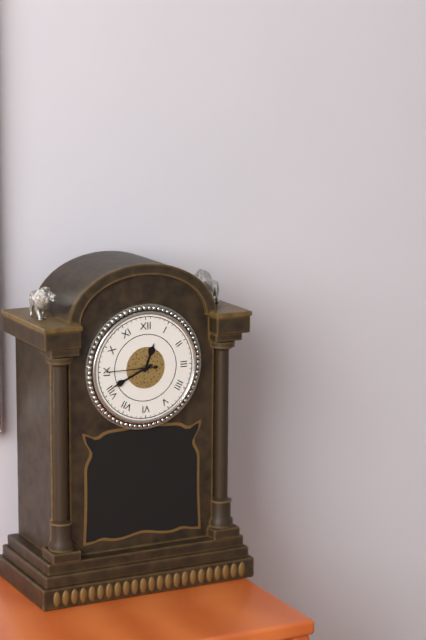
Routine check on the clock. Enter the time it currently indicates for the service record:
12:41:45
